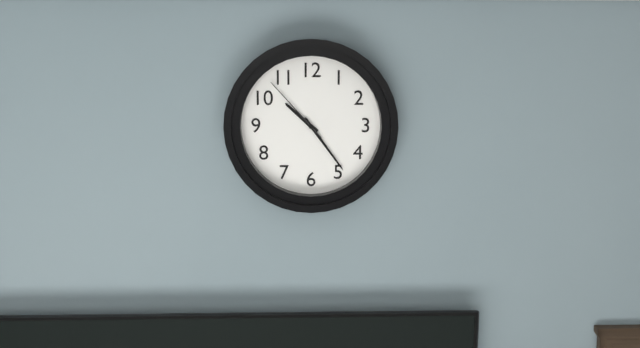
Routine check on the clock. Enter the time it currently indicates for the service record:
10:24:53
